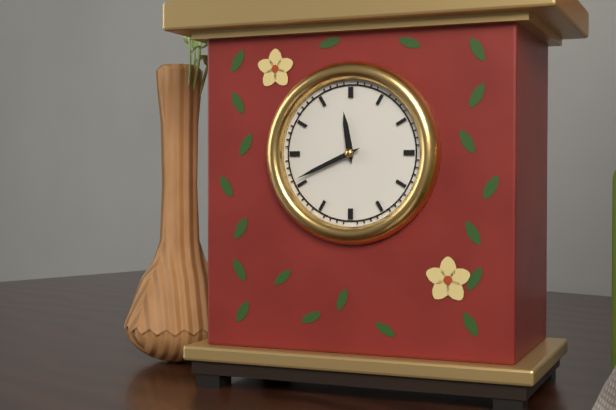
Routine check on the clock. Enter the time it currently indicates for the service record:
11:41
